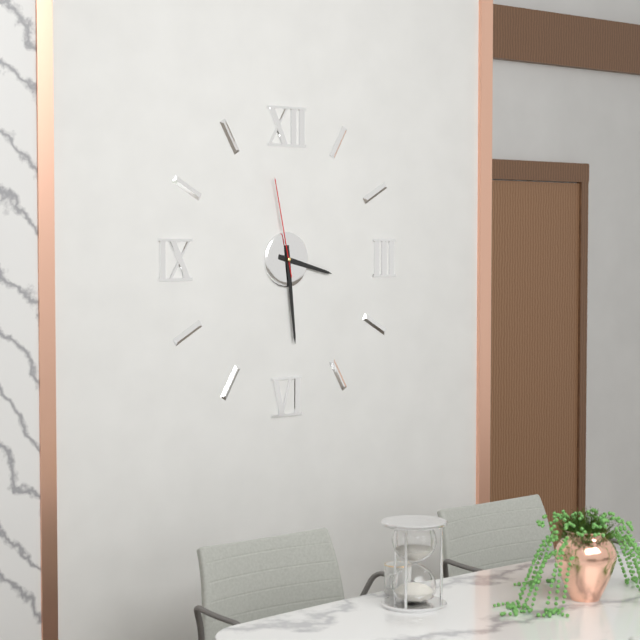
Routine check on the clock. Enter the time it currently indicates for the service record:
3:29:58
